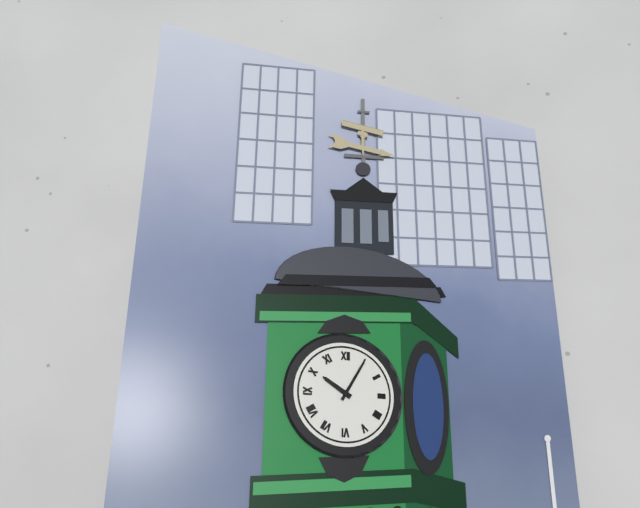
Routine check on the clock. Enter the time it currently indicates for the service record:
10:05
